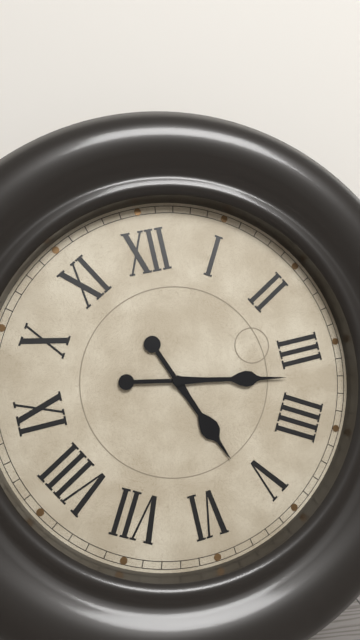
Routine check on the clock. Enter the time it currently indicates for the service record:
5:17
